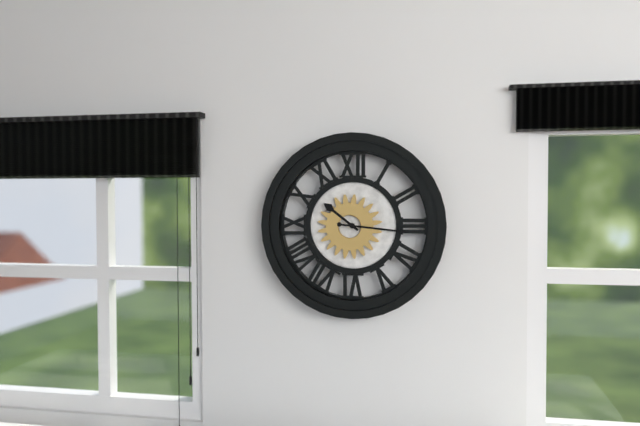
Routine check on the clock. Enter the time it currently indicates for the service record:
10:16
